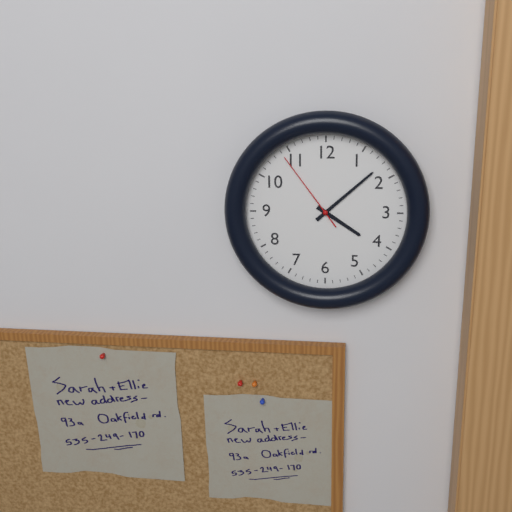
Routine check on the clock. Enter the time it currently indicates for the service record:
4:08:54
